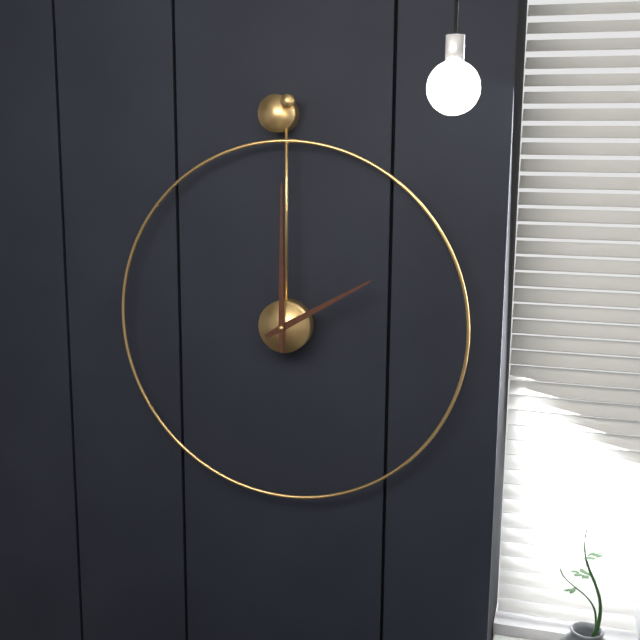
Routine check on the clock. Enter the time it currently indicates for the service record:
2:00
